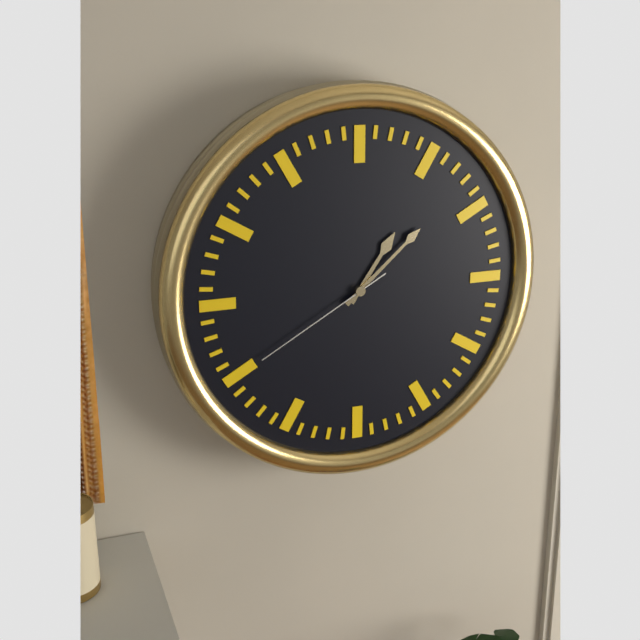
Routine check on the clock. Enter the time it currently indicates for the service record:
1:08:40
